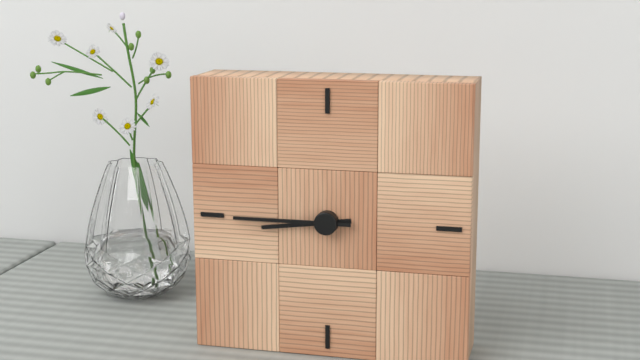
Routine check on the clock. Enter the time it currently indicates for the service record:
8:45
